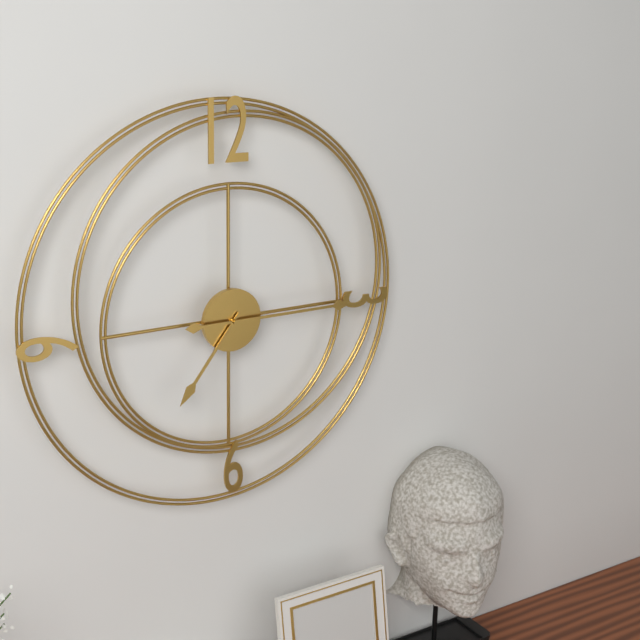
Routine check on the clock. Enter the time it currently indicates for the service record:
7:15
